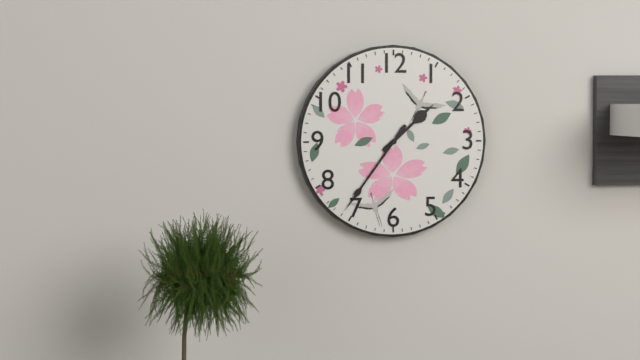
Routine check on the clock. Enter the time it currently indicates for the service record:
1:36
